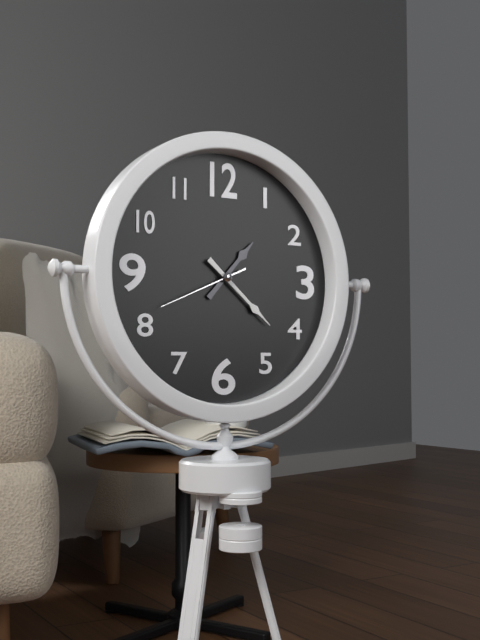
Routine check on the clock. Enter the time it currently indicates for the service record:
1:22:41
